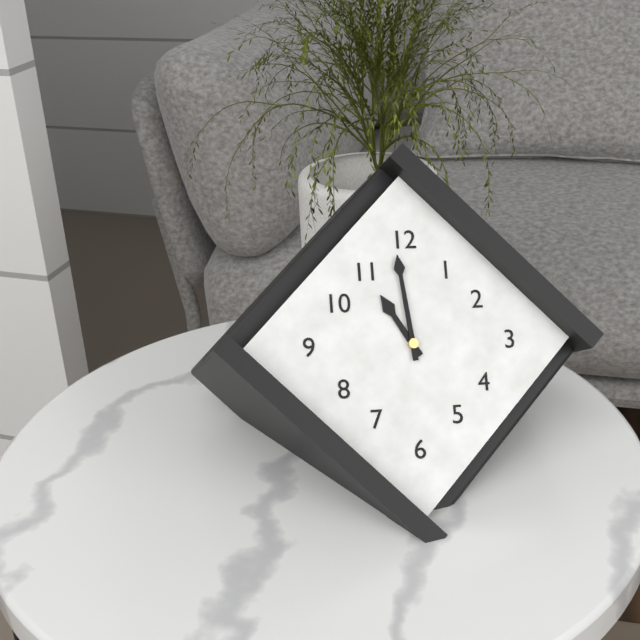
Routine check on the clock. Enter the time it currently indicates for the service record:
10:59
